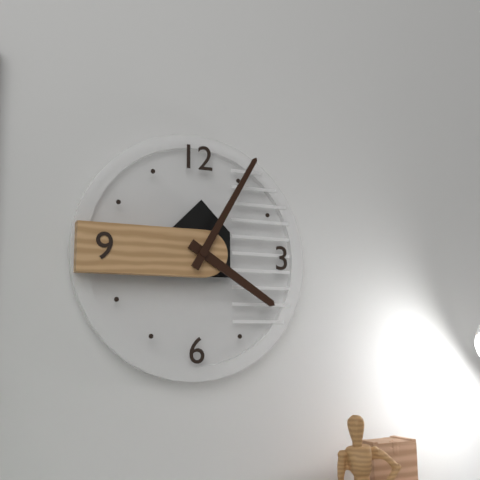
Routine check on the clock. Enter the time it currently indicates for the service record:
4:05
